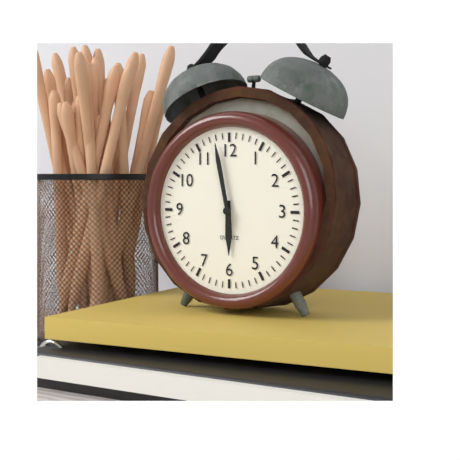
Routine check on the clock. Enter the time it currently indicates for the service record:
5:58
